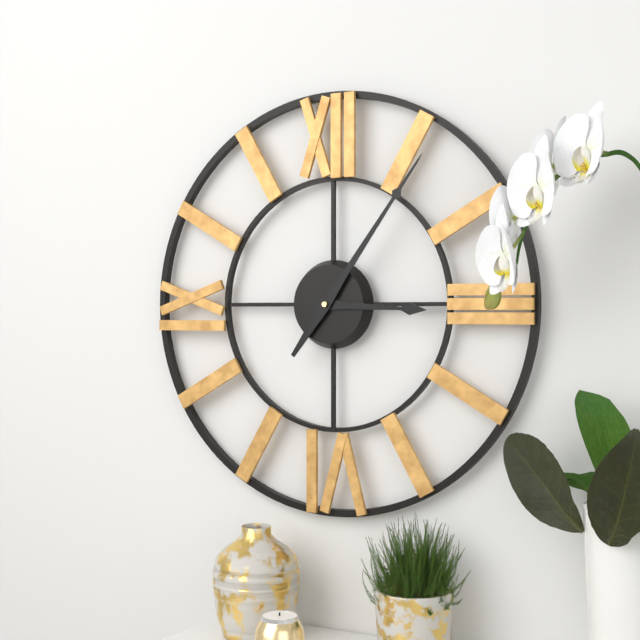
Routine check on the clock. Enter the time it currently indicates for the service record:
3:06
